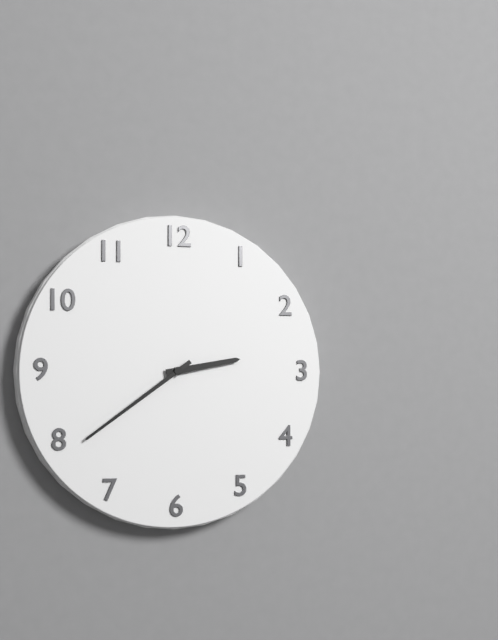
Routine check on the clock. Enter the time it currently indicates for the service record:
2:39
